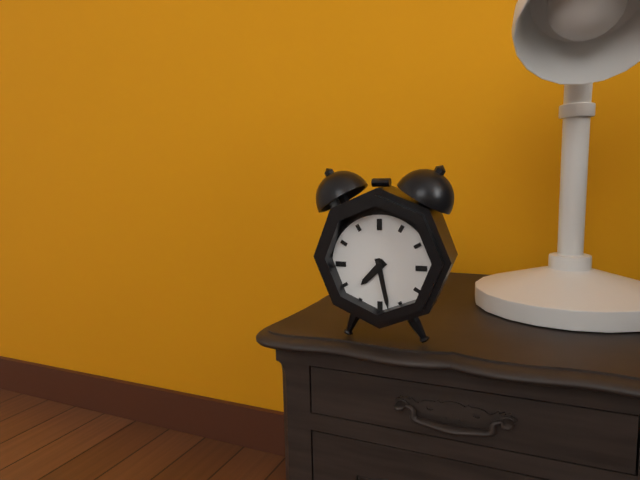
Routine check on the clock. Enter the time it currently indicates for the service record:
7:28
